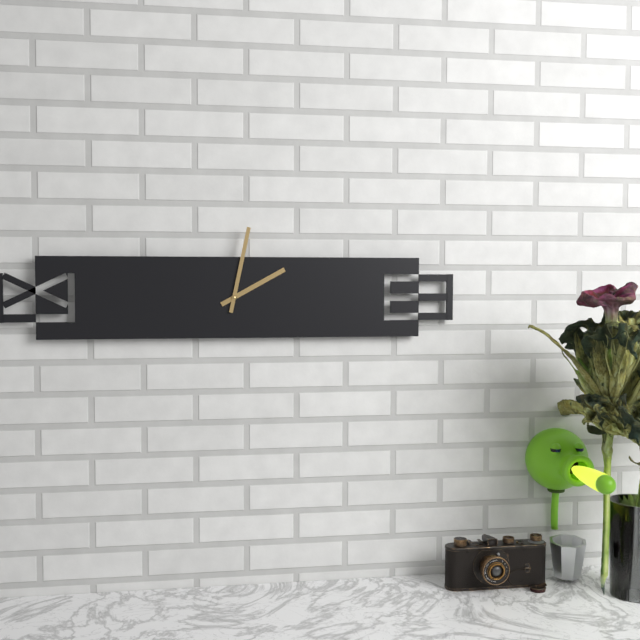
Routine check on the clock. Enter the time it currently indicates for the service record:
2:02
